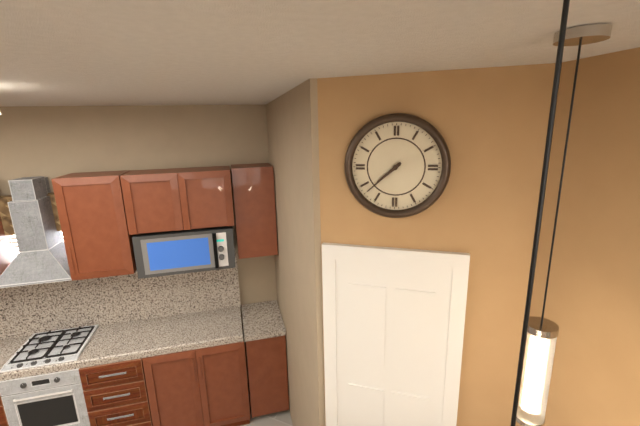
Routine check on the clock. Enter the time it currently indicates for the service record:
7:38
